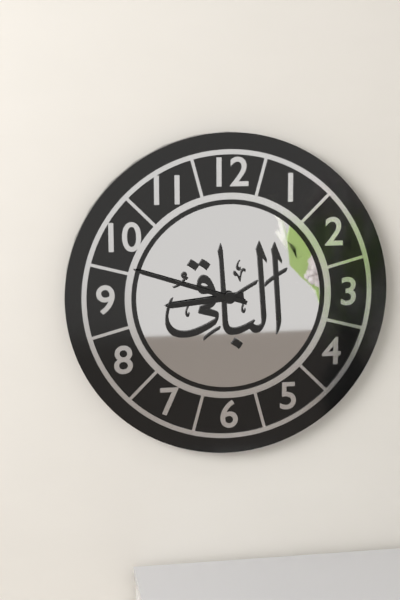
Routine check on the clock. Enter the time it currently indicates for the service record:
8:48
